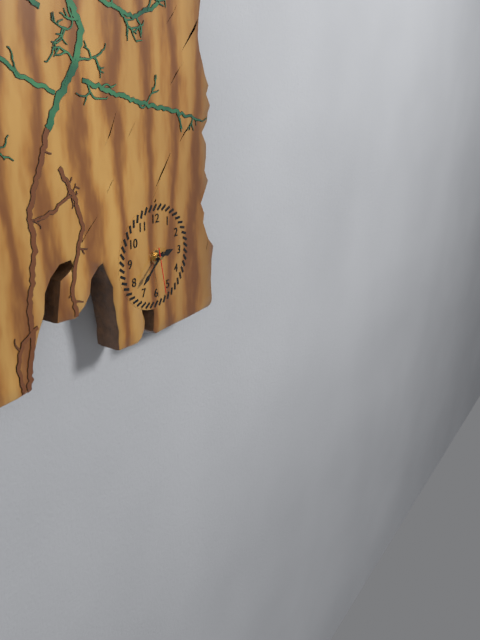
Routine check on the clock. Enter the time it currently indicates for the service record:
2:38
